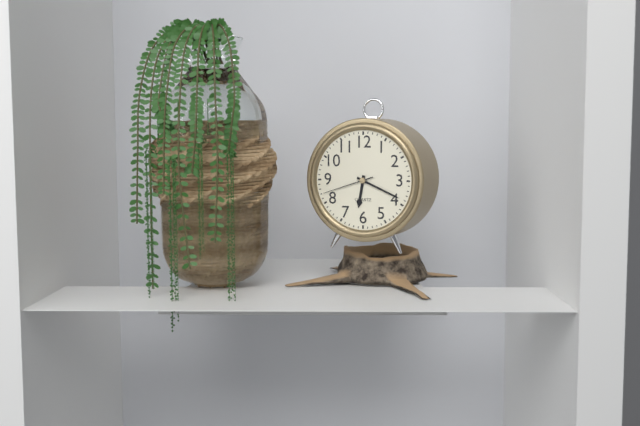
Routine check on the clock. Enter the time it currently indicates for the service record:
6:19:42
